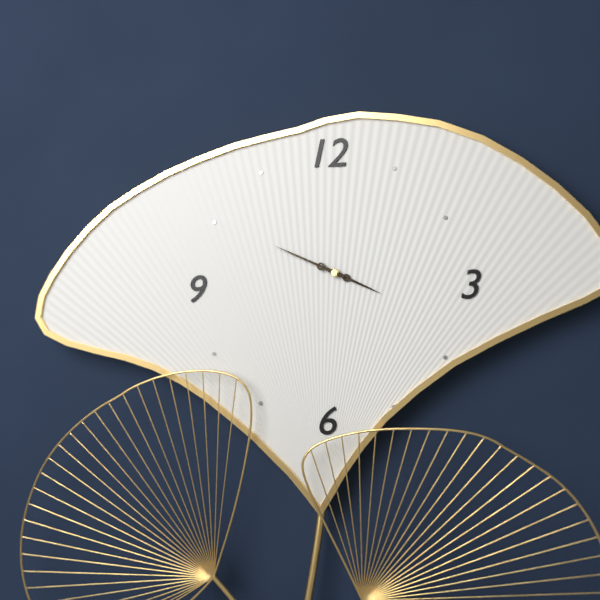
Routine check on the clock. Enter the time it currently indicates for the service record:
3:49
